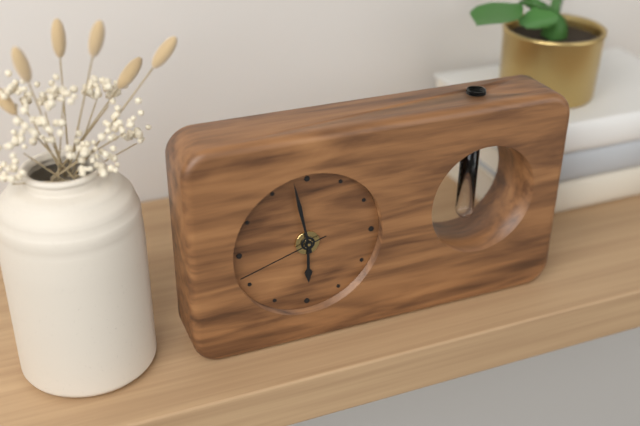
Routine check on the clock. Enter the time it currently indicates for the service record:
5:58:42
